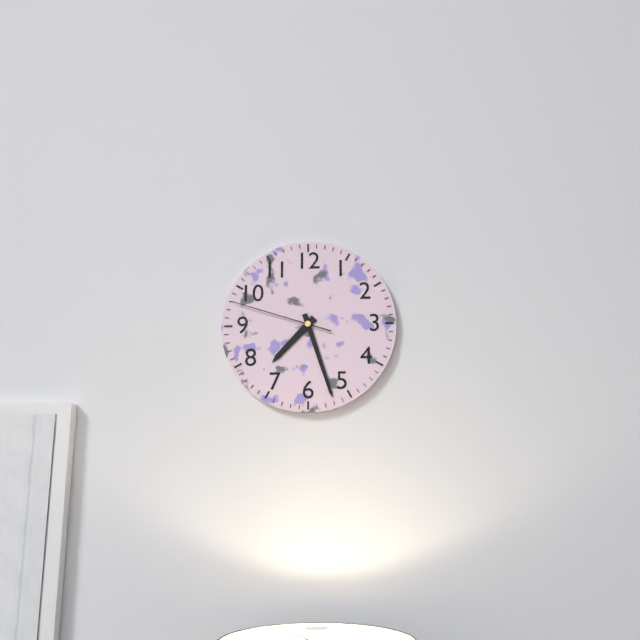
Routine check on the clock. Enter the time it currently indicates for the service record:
7:27:48
